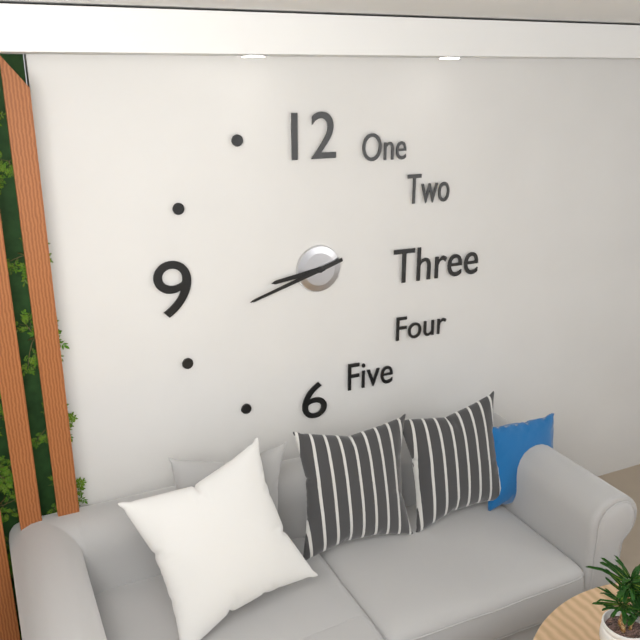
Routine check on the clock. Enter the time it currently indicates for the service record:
8:42
